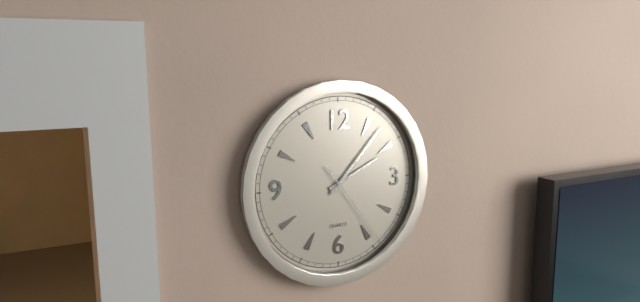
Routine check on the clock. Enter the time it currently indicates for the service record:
2:07:24
